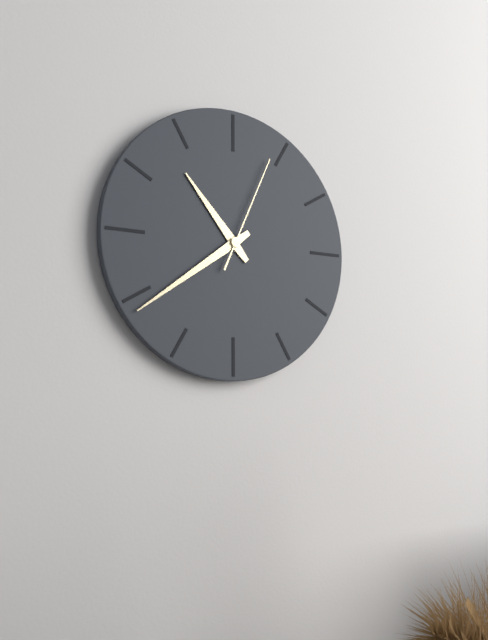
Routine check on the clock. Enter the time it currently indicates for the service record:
10:39:04
